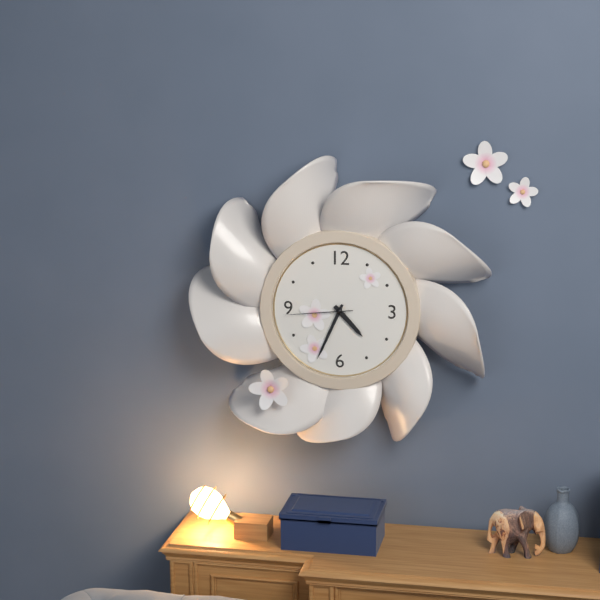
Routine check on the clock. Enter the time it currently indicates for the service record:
4:34:44
